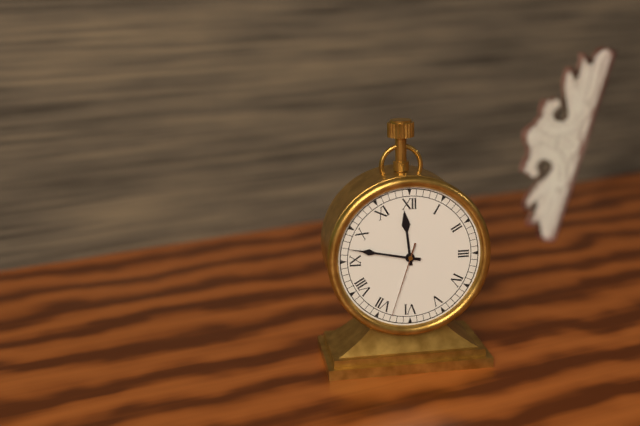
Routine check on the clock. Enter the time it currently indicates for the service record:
11:47:33
